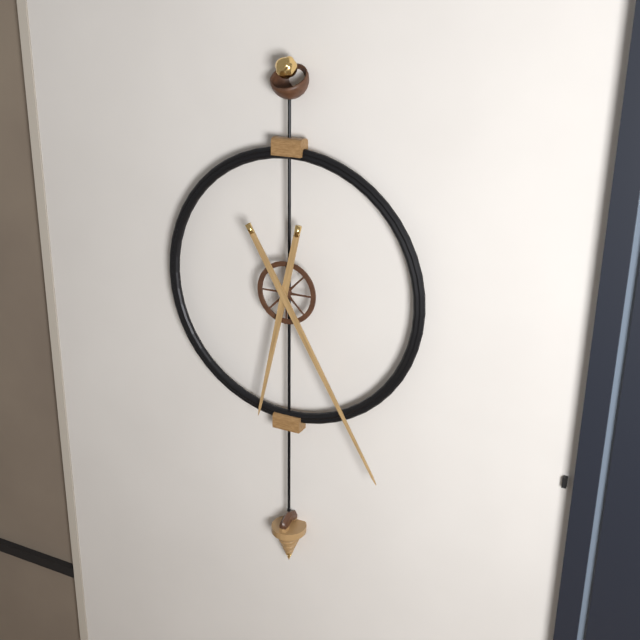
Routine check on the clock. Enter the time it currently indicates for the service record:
6:25
